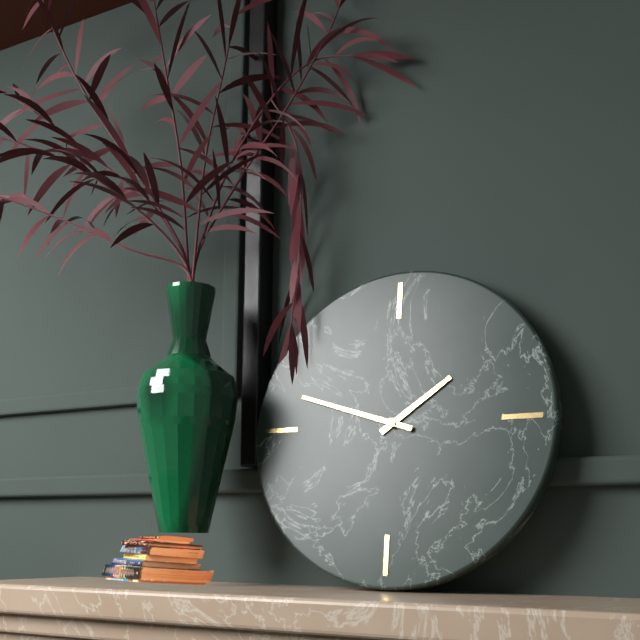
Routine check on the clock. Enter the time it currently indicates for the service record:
1:48
